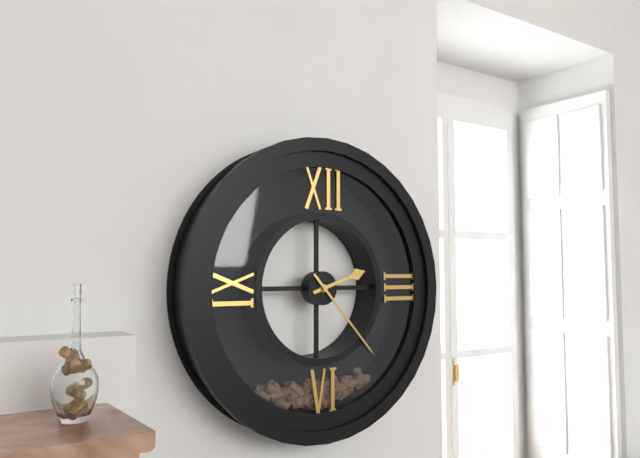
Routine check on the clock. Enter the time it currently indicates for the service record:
2:23
